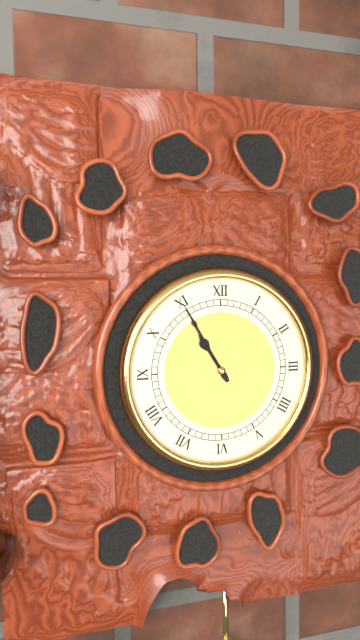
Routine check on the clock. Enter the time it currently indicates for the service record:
10:55
